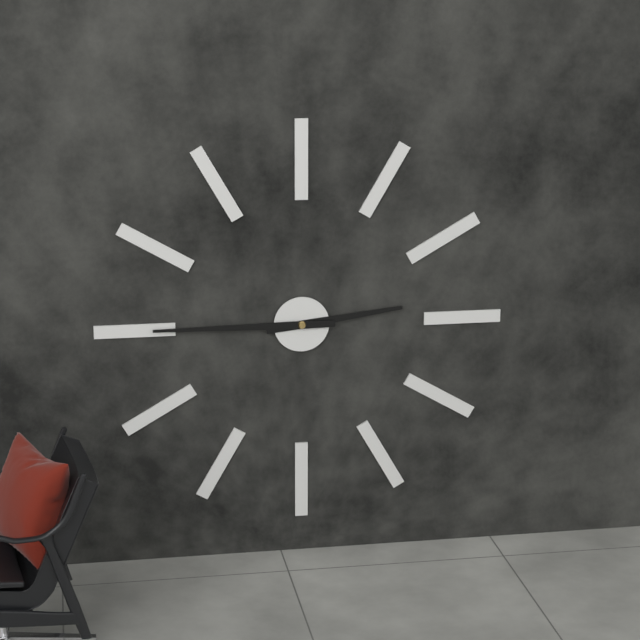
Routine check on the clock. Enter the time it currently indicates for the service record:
2:45
